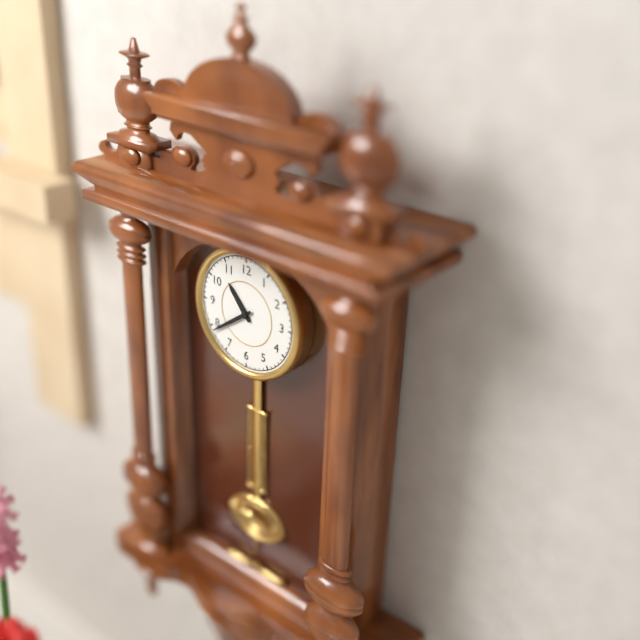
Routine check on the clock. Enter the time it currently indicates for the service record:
10:39
